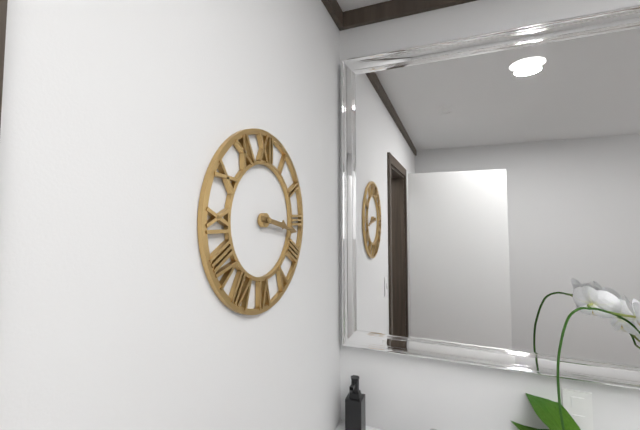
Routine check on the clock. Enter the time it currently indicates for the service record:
3:17
